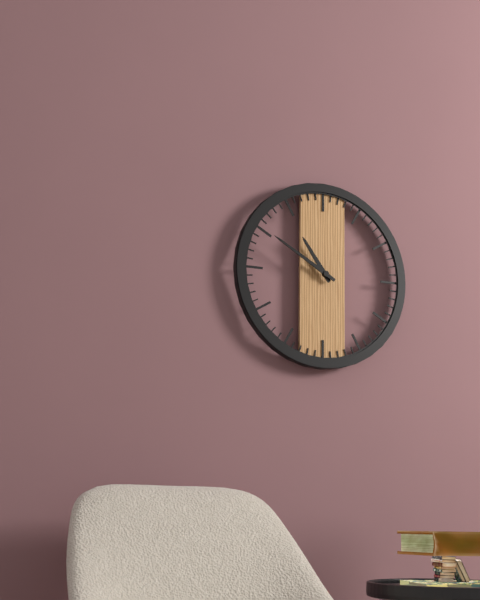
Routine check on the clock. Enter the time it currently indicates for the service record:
10:50
